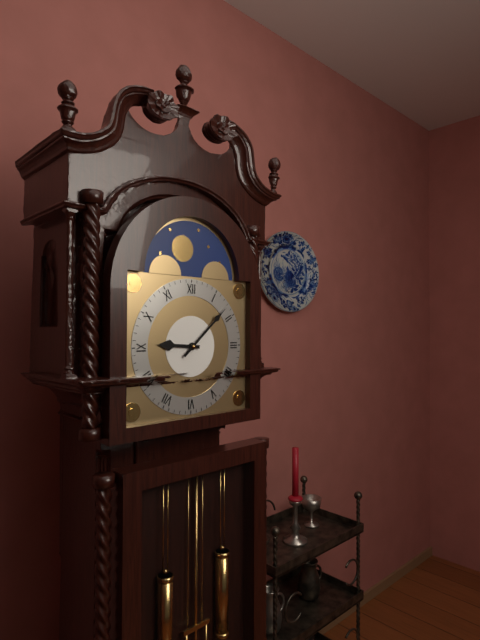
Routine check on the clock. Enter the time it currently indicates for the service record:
9:08
